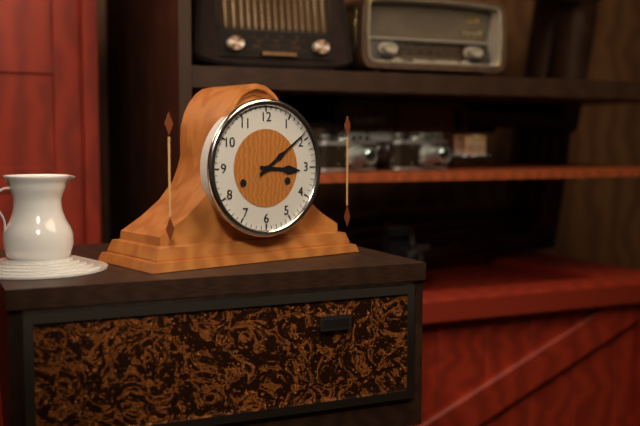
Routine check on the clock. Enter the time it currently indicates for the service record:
3:09
